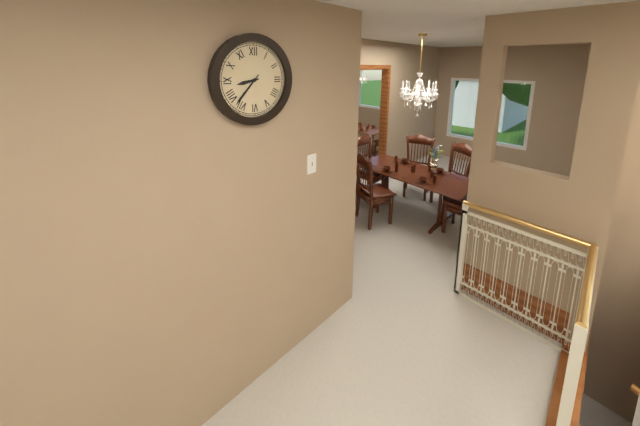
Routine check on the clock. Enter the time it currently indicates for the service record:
8:37
